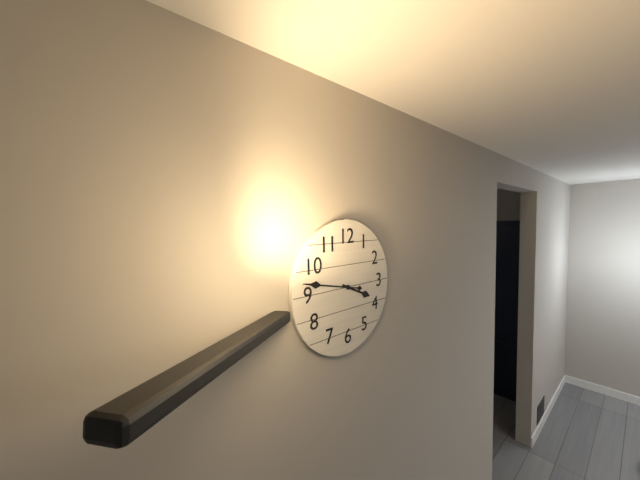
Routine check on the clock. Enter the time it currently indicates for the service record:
3:47
